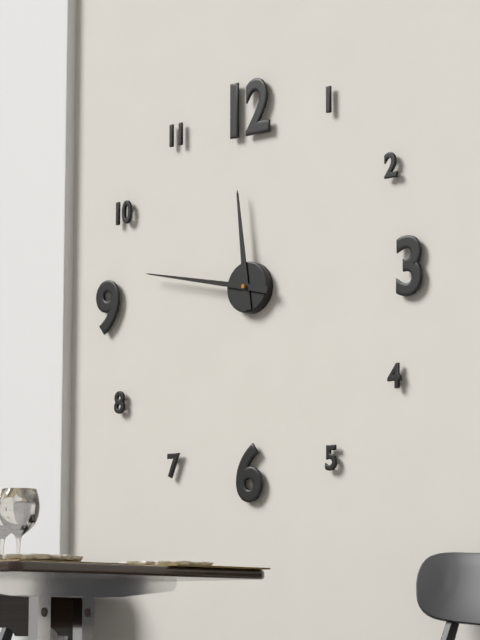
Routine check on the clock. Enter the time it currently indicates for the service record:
11:47
